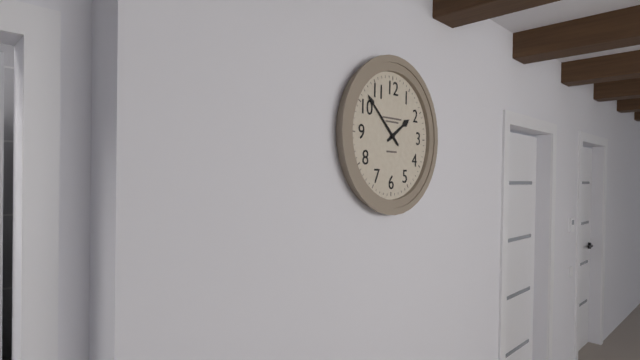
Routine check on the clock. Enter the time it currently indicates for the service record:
1:52
